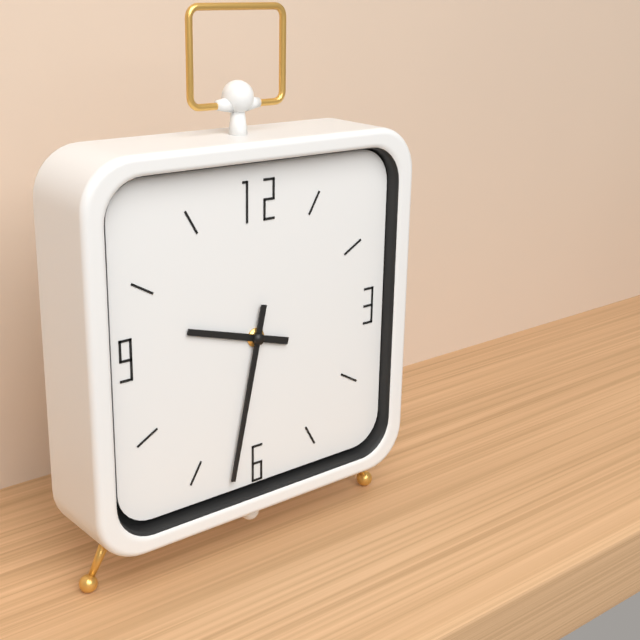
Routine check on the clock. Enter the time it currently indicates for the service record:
9:32
